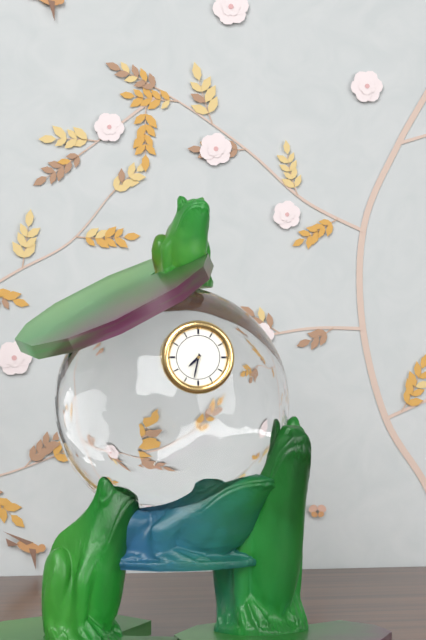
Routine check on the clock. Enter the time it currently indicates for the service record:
7:32
